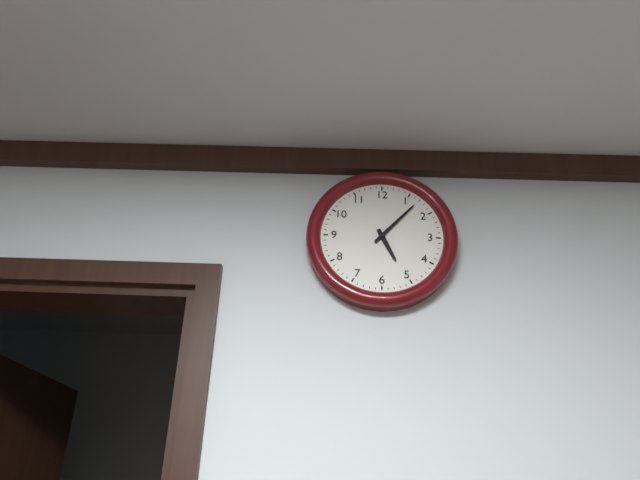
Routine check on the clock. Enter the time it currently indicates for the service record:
5:07
